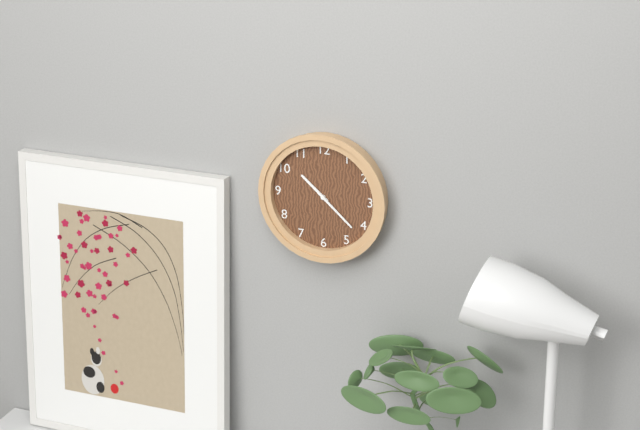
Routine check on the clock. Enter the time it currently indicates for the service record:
10:22
